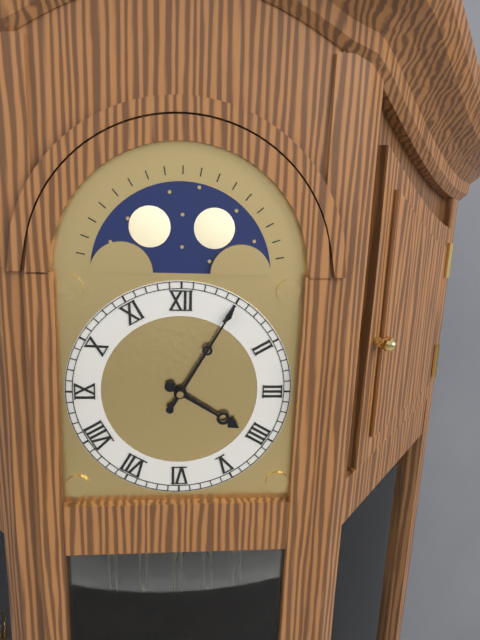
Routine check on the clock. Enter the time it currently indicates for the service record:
4:05
